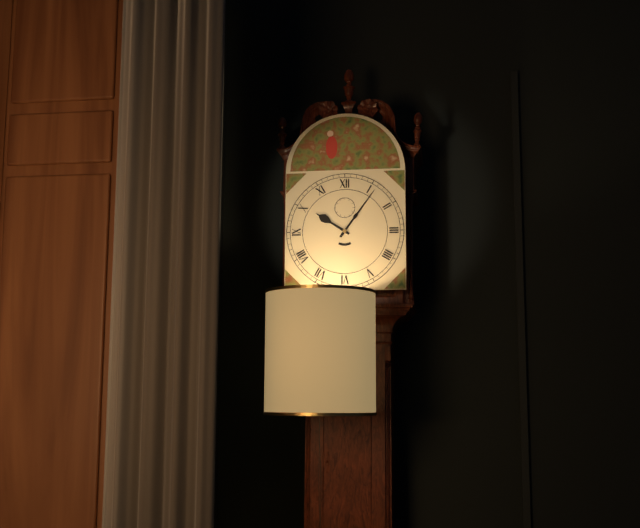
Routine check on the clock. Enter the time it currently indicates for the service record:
10:06
